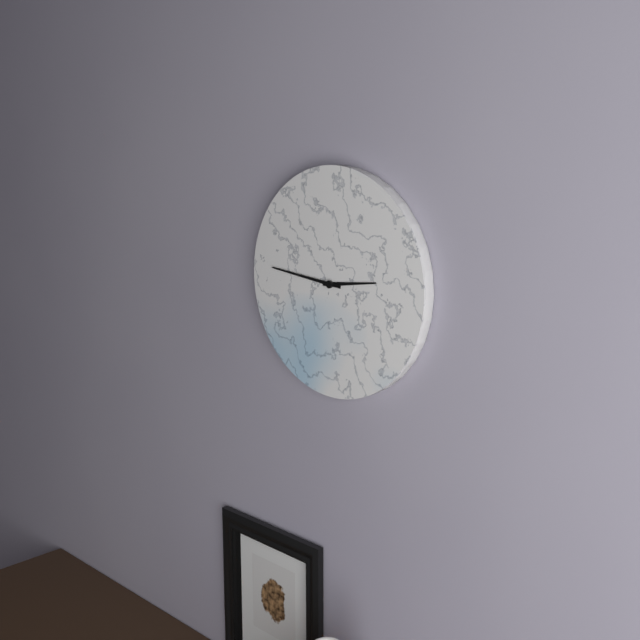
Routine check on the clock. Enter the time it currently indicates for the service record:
2:46
